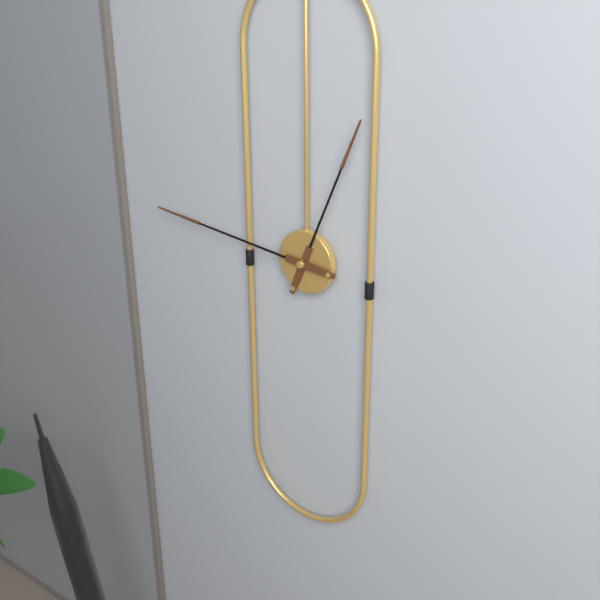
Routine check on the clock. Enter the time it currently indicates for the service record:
12:46
